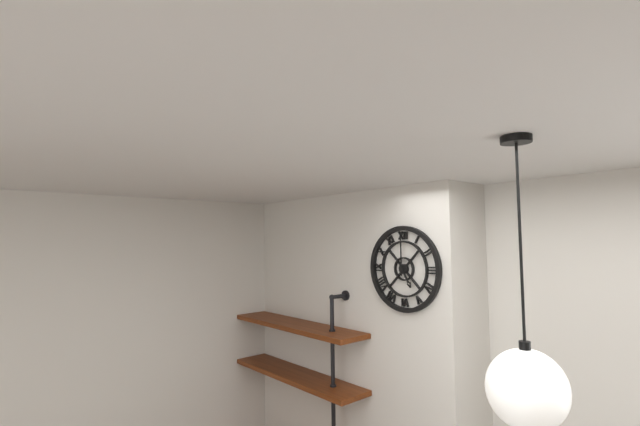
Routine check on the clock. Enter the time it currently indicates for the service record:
5:00
